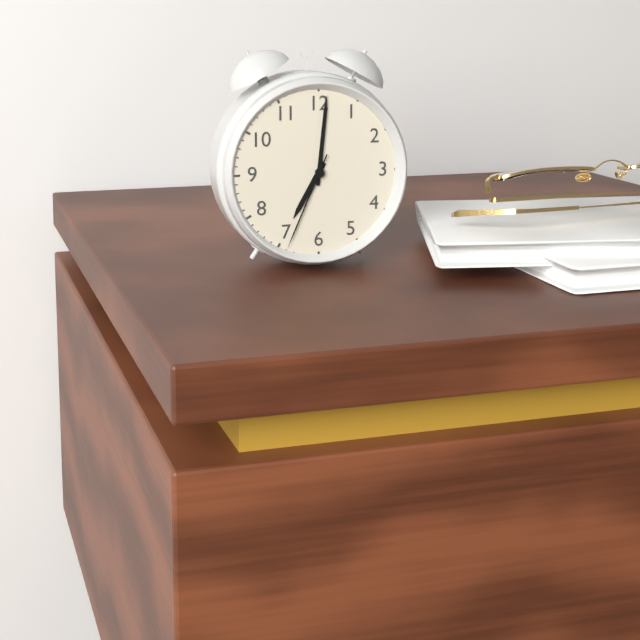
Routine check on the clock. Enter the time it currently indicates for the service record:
7:01:34
